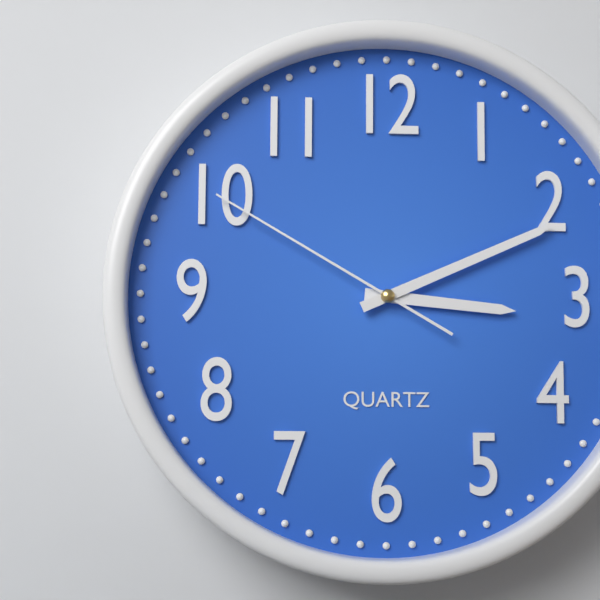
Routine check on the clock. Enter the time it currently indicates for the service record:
3:11:50
